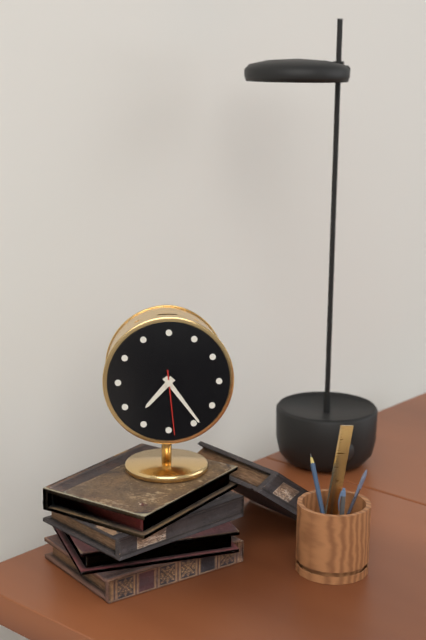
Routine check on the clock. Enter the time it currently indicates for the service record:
7:24:29
